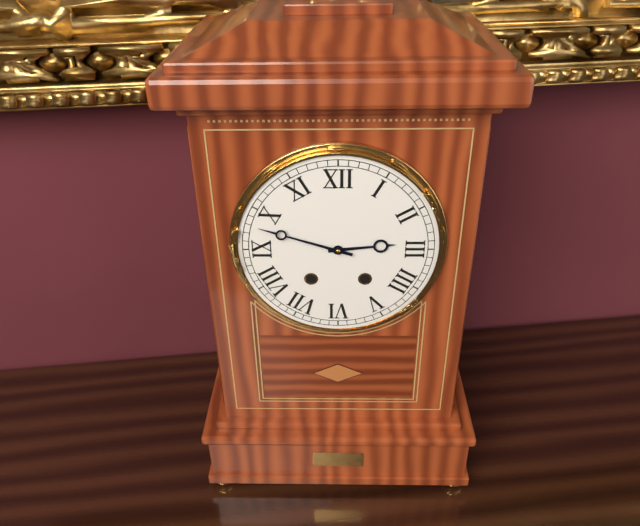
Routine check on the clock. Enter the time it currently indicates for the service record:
2:48
